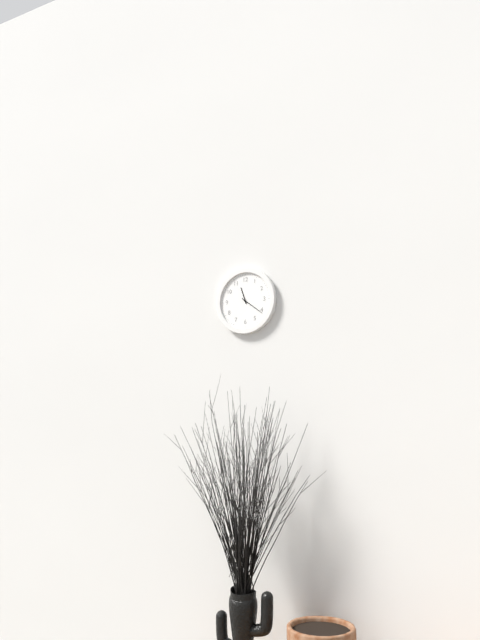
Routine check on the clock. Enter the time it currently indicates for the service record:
11:21
